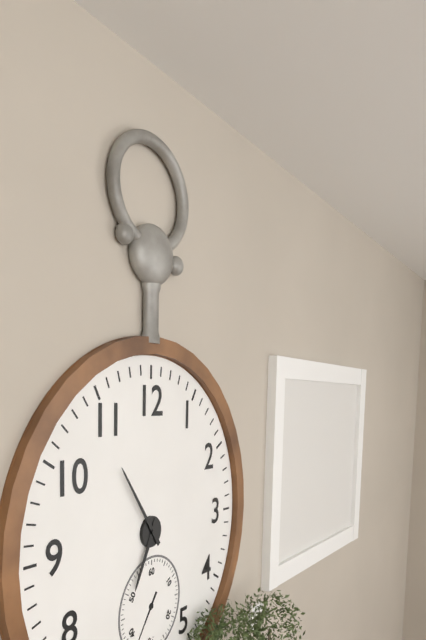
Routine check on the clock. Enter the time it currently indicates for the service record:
6:54
